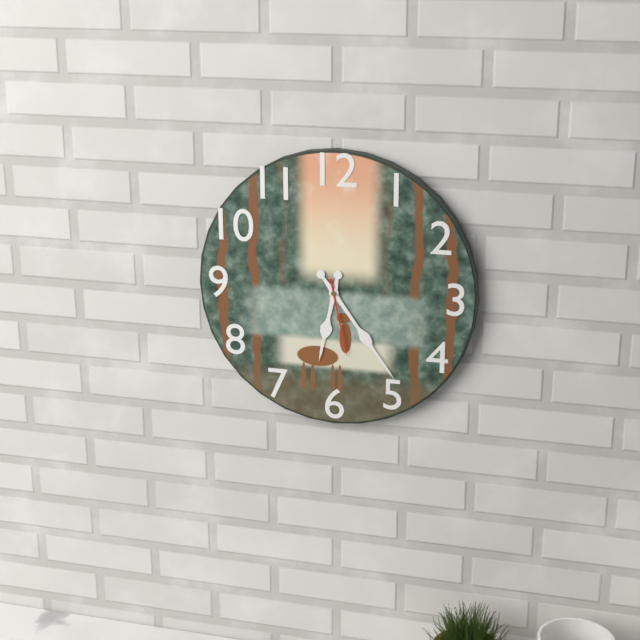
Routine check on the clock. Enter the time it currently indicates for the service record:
6:24:28
